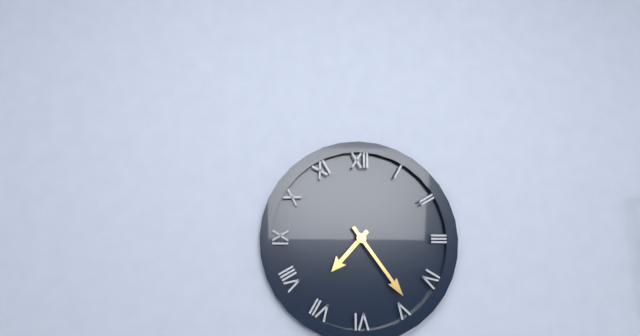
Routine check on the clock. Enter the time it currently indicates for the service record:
7:24
